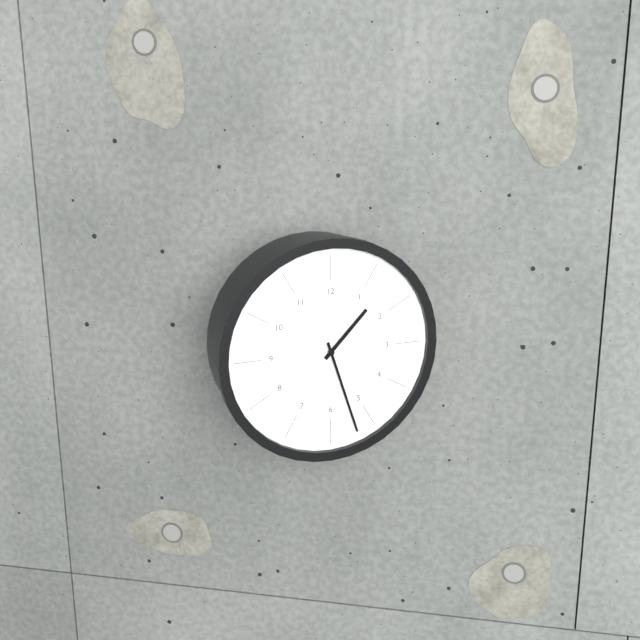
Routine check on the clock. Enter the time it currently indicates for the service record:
1:27
